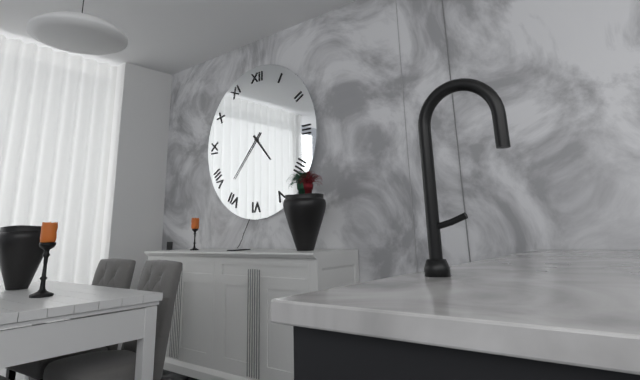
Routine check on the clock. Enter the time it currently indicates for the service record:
4:37
